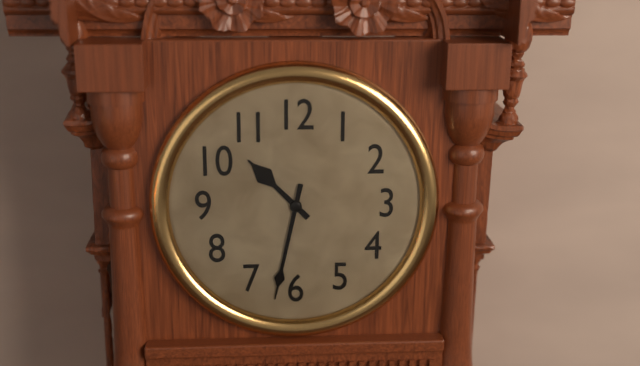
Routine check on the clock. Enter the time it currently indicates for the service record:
10:32
